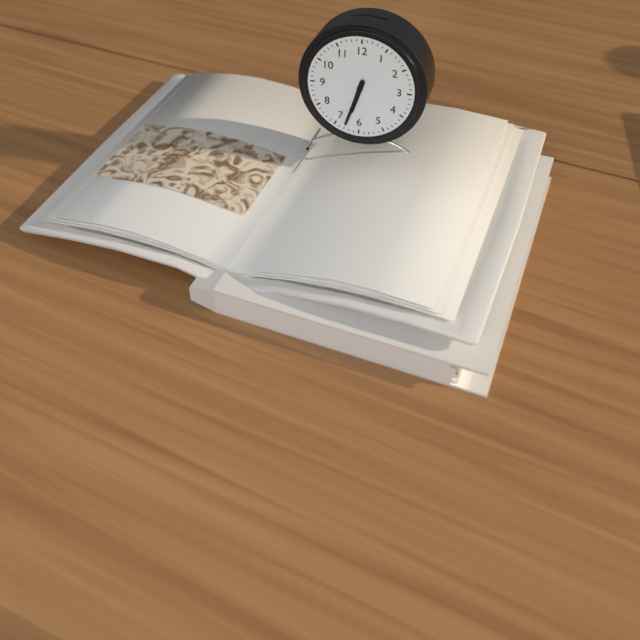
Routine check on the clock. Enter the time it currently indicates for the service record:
6:33
